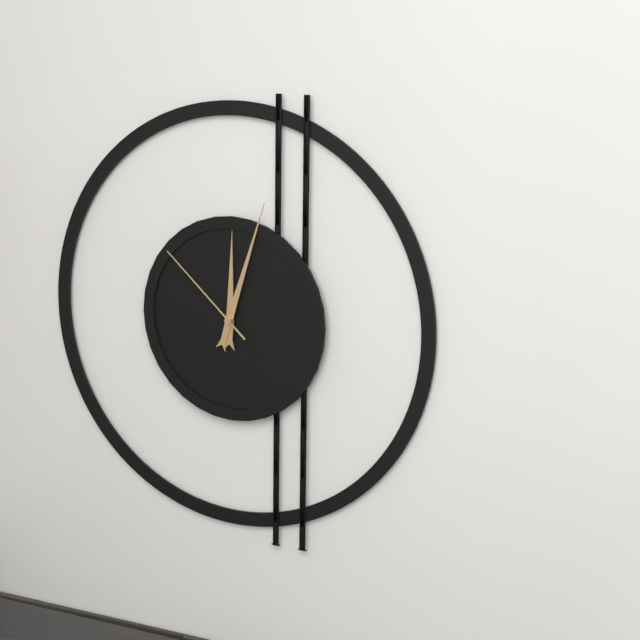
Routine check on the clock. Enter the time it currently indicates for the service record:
12:03:52
